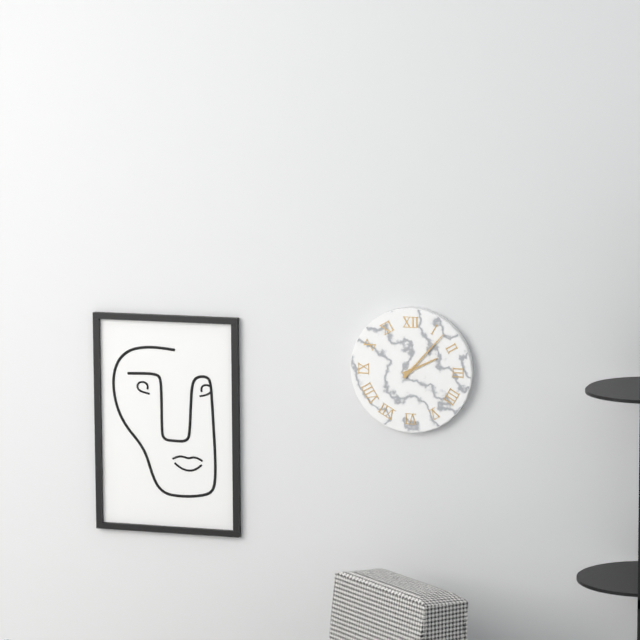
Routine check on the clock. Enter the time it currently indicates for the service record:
2:07
